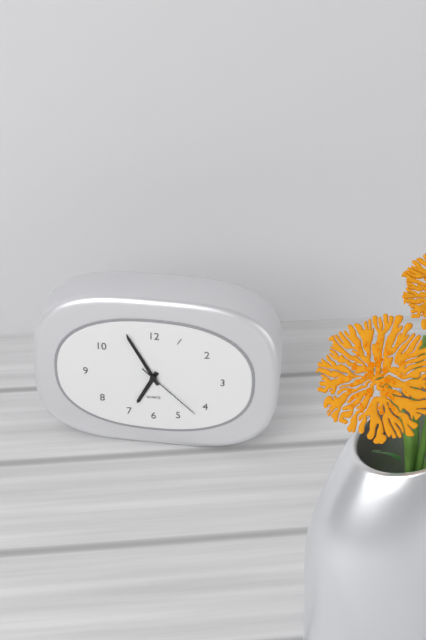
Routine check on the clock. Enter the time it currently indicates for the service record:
6:55:22
